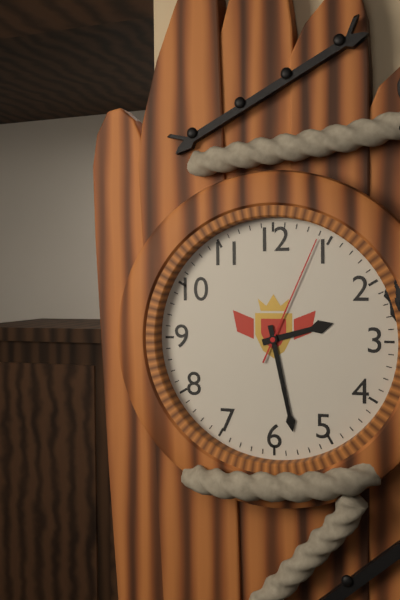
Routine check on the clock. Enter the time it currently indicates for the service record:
2:28:04
